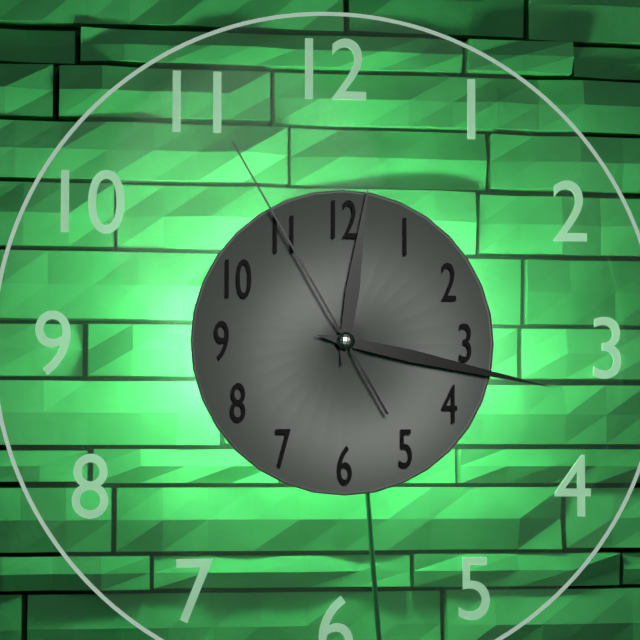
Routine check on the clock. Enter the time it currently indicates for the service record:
12:17:55
